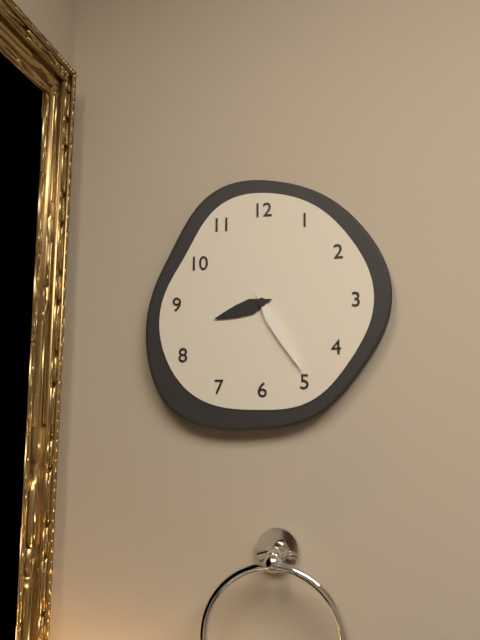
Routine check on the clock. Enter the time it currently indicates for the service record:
8:25
